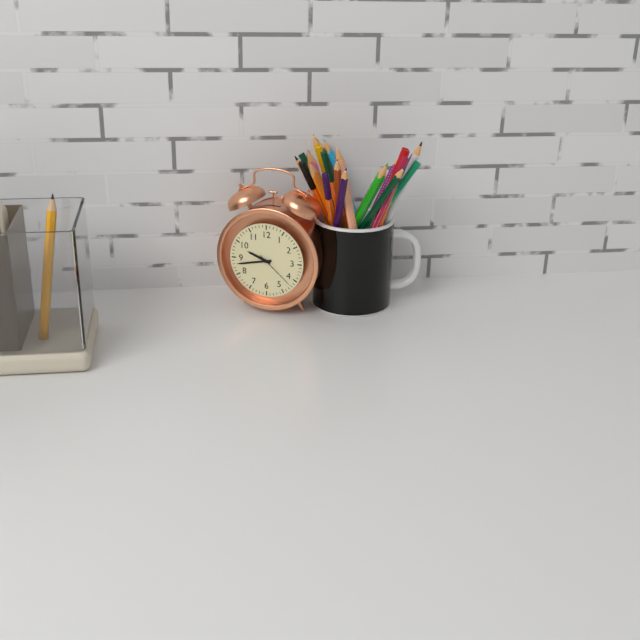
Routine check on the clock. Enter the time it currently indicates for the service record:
9:43
